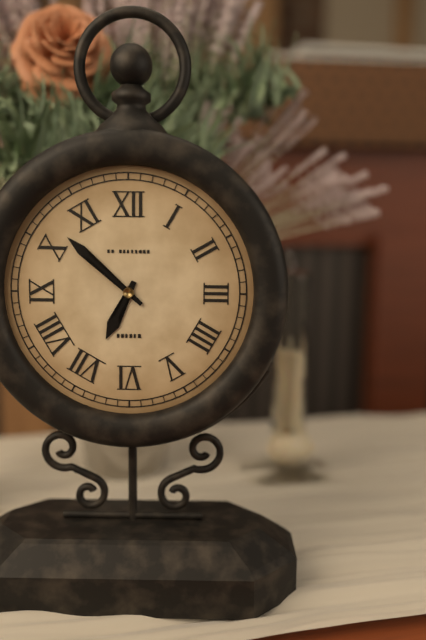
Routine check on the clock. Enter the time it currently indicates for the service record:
6:52
